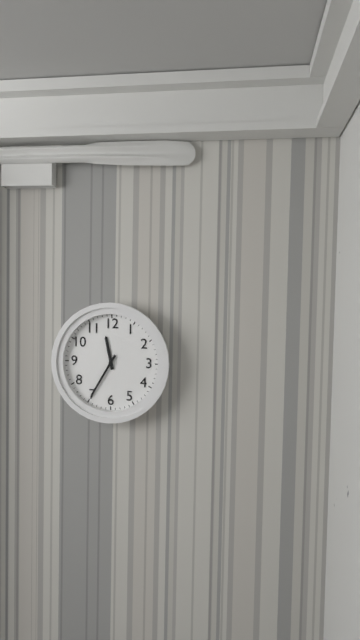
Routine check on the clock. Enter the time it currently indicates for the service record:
11:35
